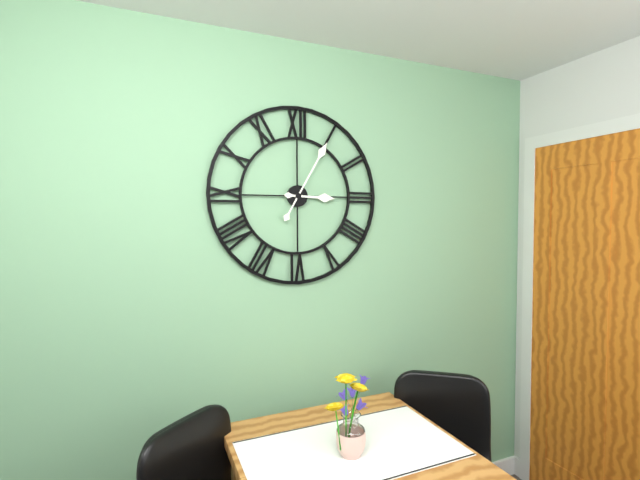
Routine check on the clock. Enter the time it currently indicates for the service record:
3:05
